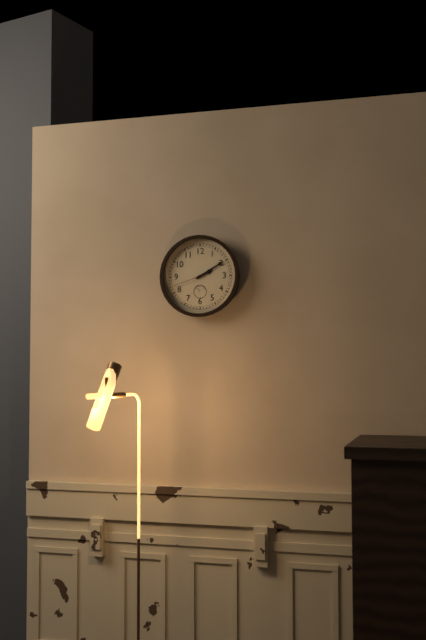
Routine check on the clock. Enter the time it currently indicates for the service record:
2:10
